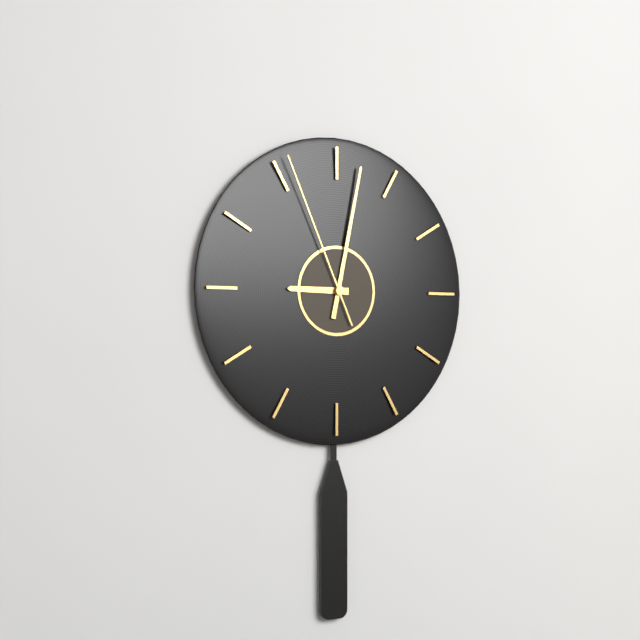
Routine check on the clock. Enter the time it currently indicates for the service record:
9:02:56
